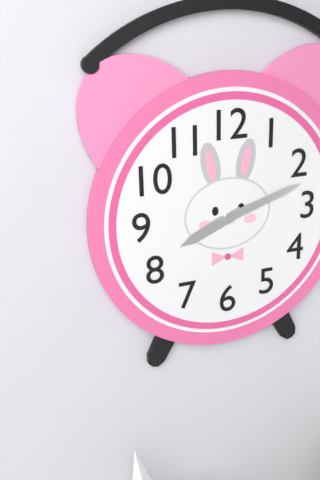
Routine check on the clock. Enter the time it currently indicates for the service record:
8:12
